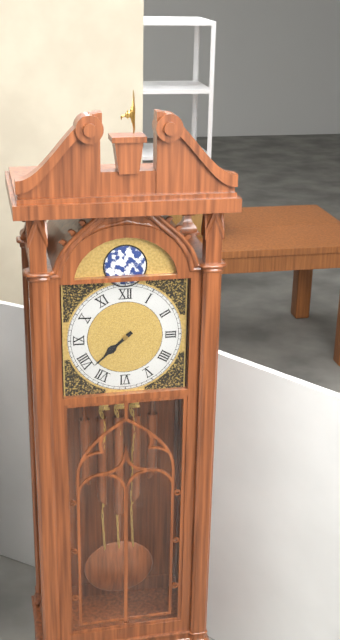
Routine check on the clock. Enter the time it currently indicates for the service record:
7:38
